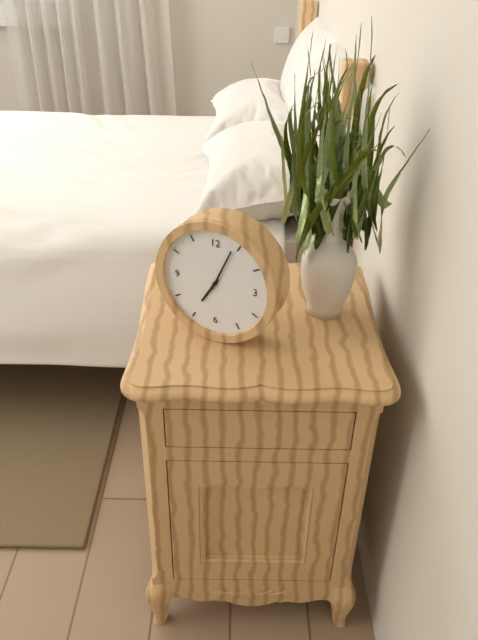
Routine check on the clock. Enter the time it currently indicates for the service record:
7:04
